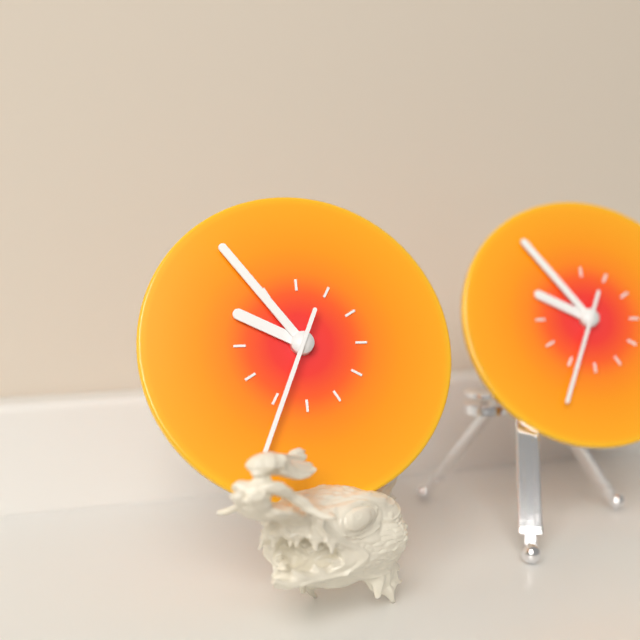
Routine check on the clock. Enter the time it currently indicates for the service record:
9:54:34
